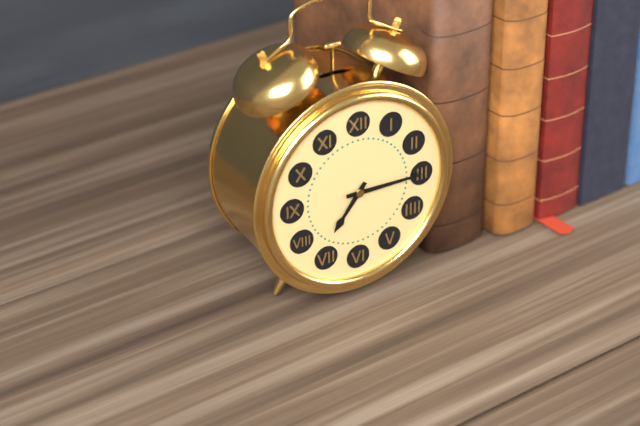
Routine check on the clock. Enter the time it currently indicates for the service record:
7:15
